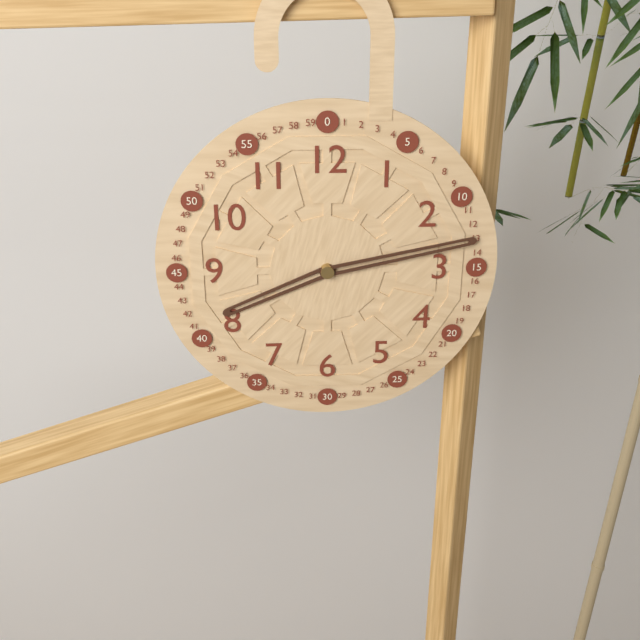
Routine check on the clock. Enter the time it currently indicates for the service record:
8:13
